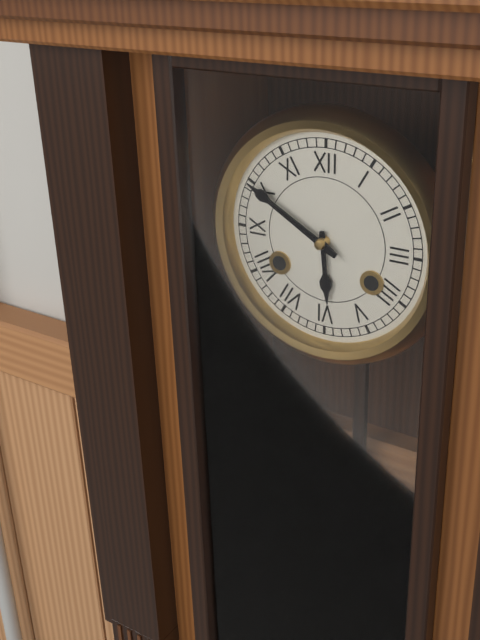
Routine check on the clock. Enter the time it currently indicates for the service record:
5:50
